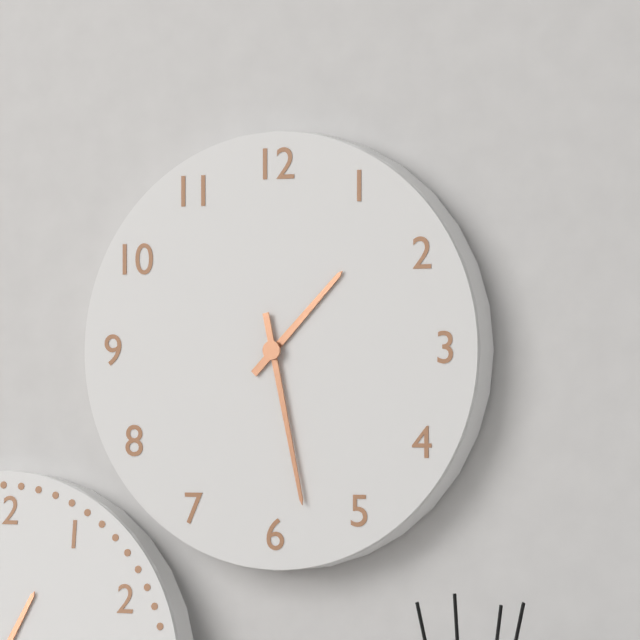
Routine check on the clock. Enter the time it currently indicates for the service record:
1:28
